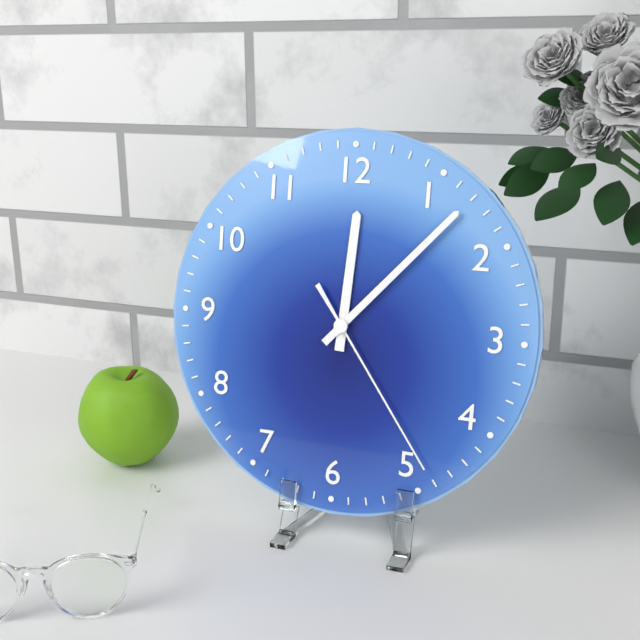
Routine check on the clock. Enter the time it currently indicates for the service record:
12:07:24
